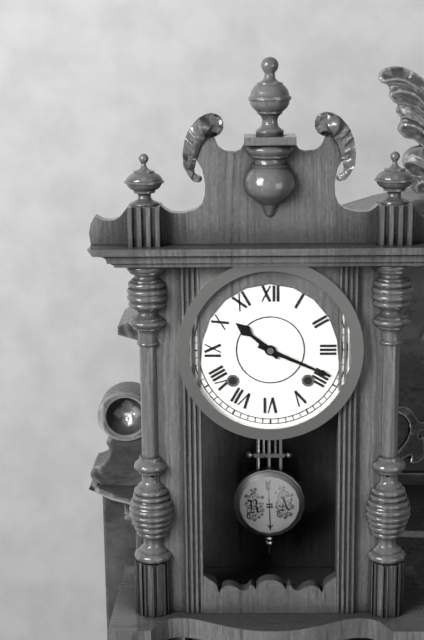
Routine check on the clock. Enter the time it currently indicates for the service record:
10:19
